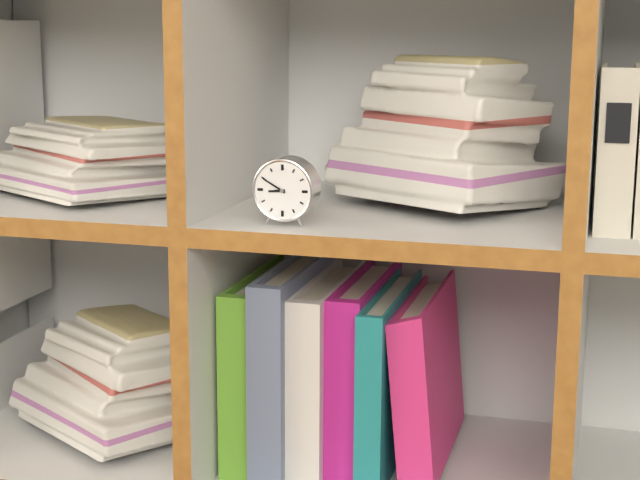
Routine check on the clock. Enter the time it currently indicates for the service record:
8:50
